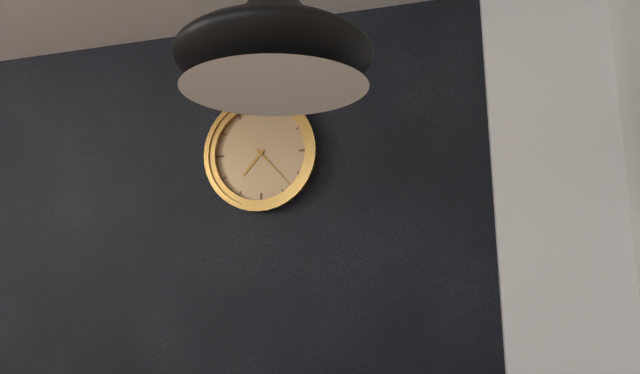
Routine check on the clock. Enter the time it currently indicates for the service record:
7:23
